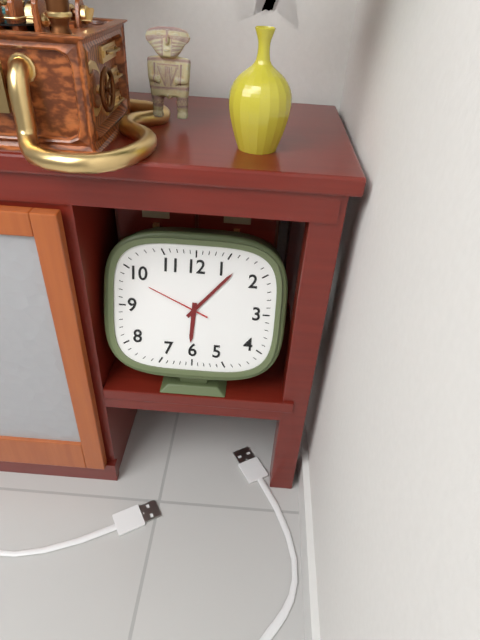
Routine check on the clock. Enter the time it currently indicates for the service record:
6:07:49
